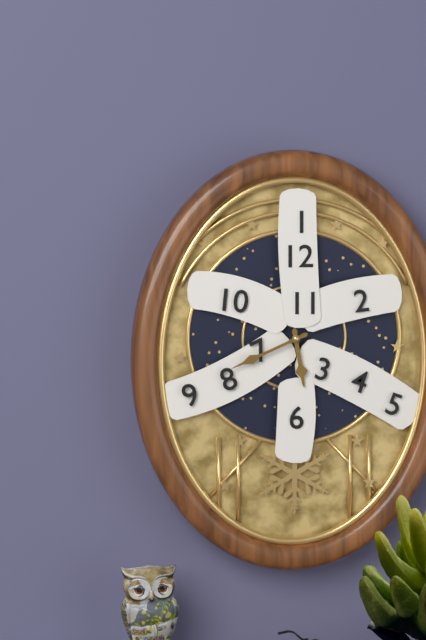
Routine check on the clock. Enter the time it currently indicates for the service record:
5:41
